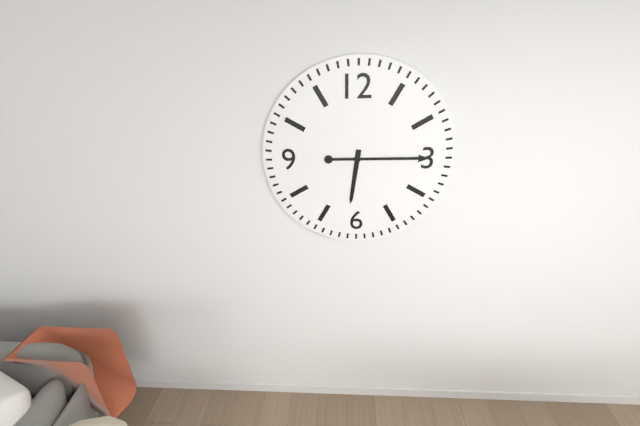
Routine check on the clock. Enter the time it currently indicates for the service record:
6:15
